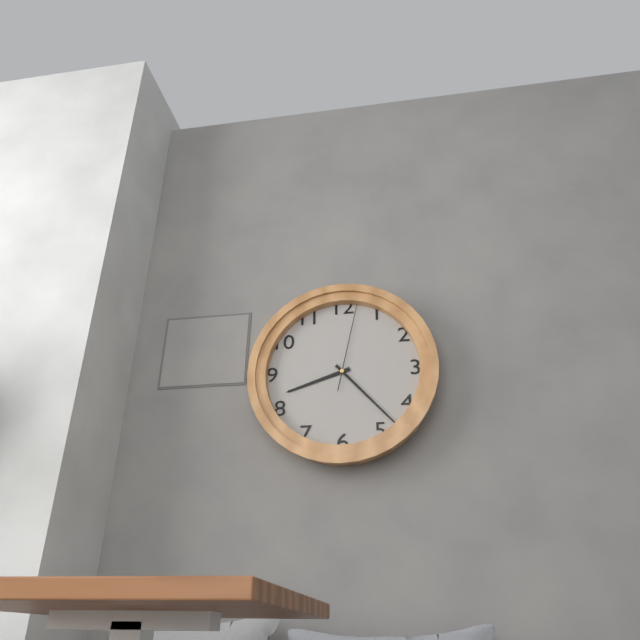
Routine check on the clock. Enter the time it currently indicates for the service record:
8:23:02
